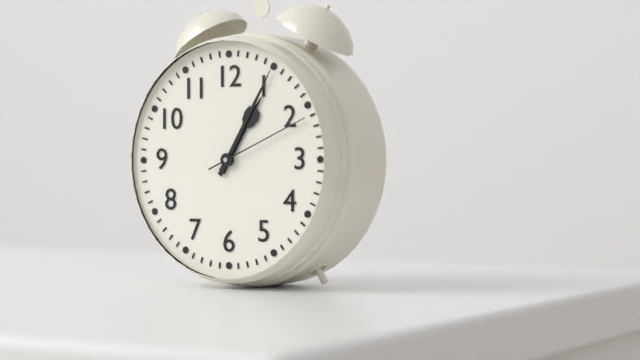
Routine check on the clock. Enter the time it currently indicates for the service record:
1:05:11
